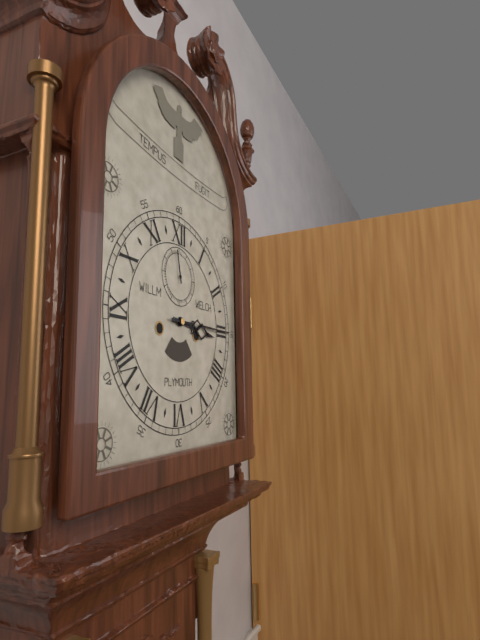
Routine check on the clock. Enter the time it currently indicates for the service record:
3:15
